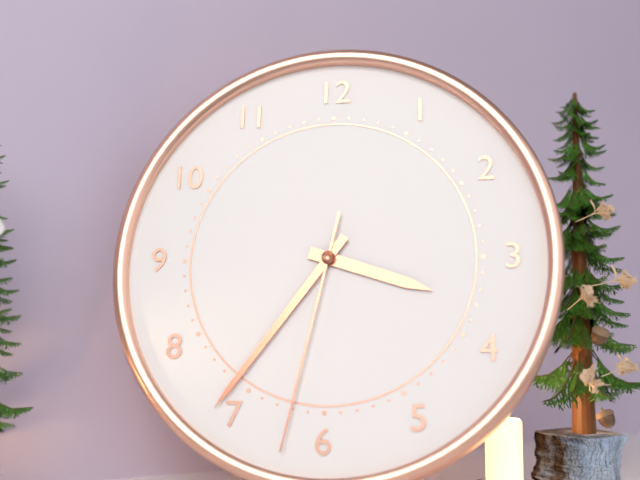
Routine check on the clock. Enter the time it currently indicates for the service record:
3:36:32
